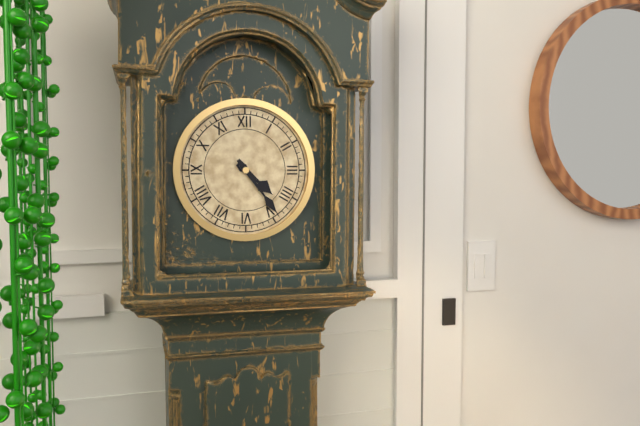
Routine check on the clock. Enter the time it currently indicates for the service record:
4:24
